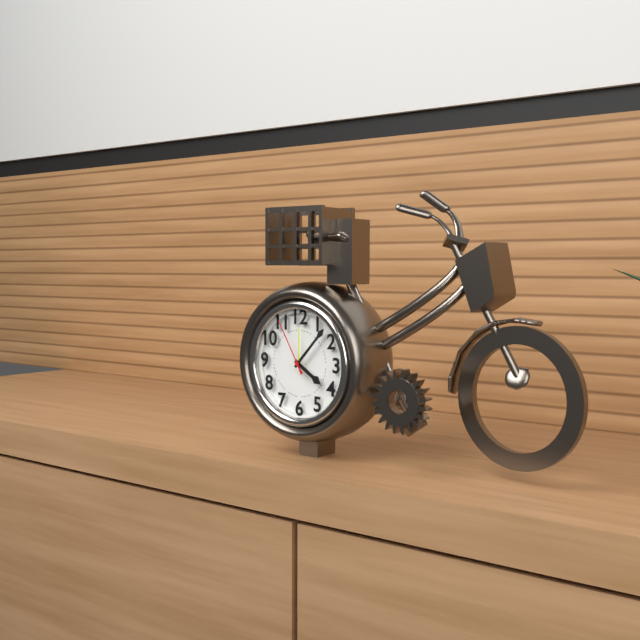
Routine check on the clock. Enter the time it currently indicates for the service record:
4:07:55
